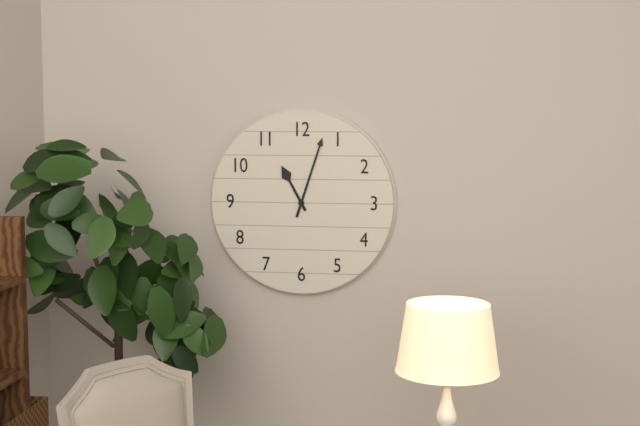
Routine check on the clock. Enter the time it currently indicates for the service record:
11:03
